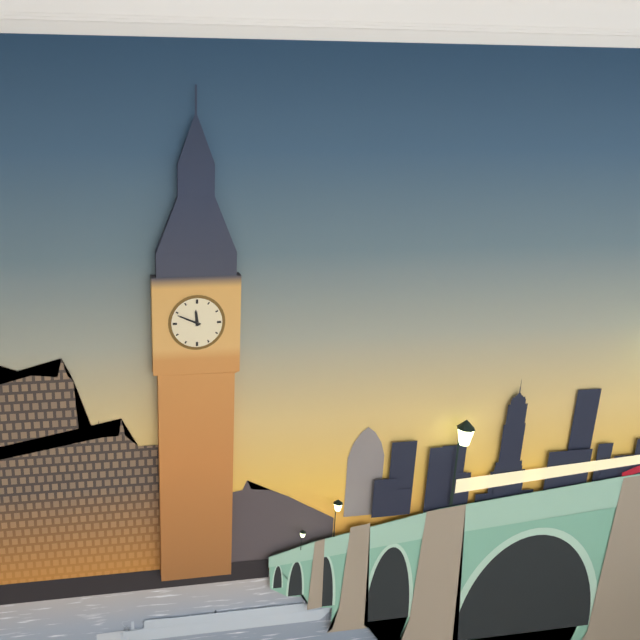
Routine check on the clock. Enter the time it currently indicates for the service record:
11:49
